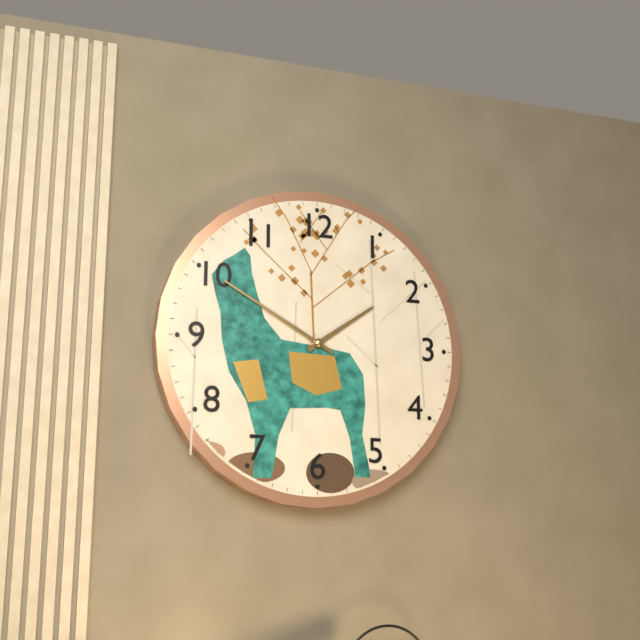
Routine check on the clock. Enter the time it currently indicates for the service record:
1:50
